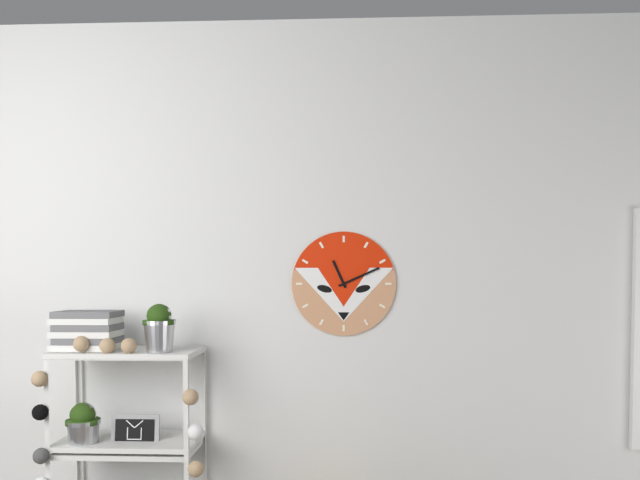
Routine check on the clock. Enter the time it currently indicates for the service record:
11:11
